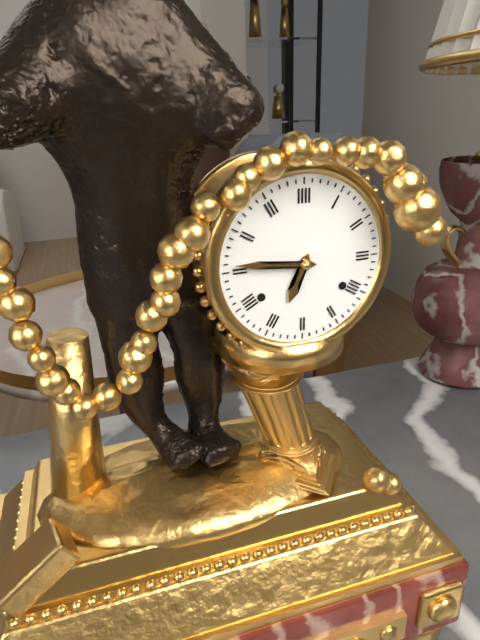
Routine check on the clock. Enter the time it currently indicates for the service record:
6:46
